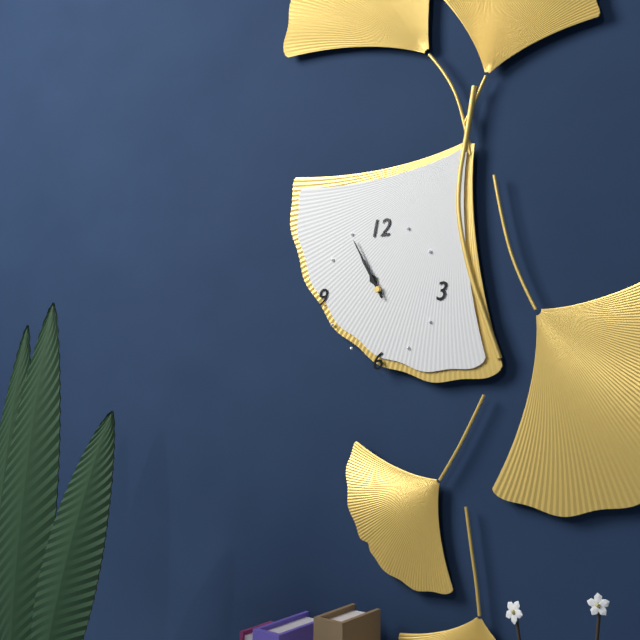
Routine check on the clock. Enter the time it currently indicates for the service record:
10:55
